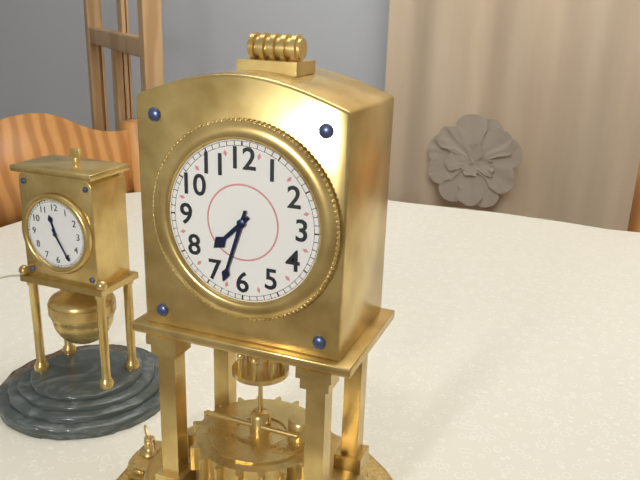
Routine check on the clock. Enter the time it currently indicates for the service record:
7:33
